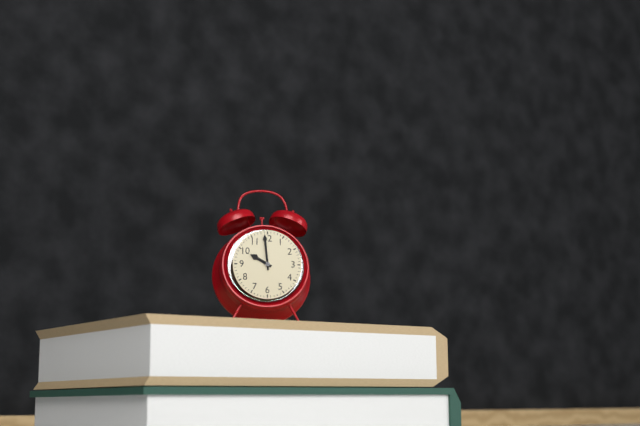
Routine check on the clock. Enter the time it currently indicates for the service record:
9:59
